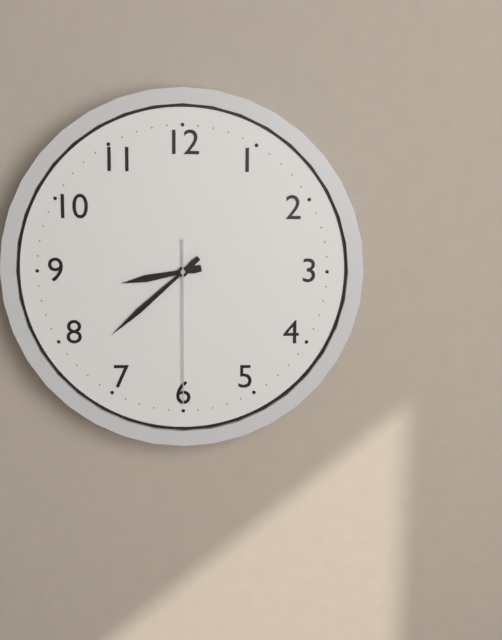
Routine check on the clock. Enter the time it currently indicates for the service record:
8:38:30
